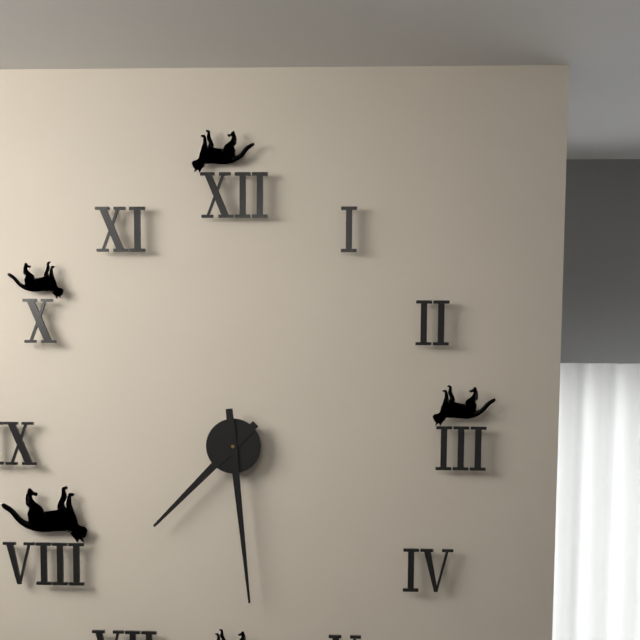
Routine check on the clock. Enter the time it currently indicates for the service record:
7:29
